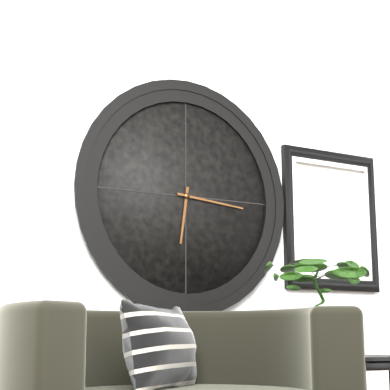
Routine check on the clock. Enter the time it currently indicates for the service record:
6:16
